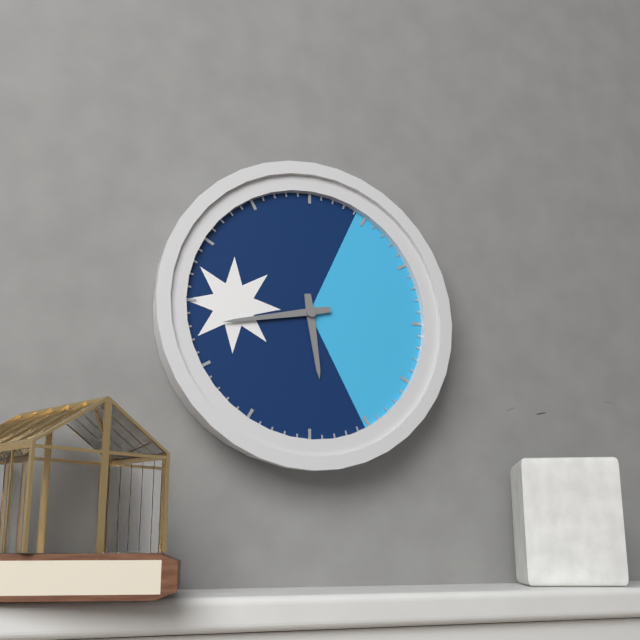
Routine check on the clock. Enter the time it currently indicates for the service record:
5:43
